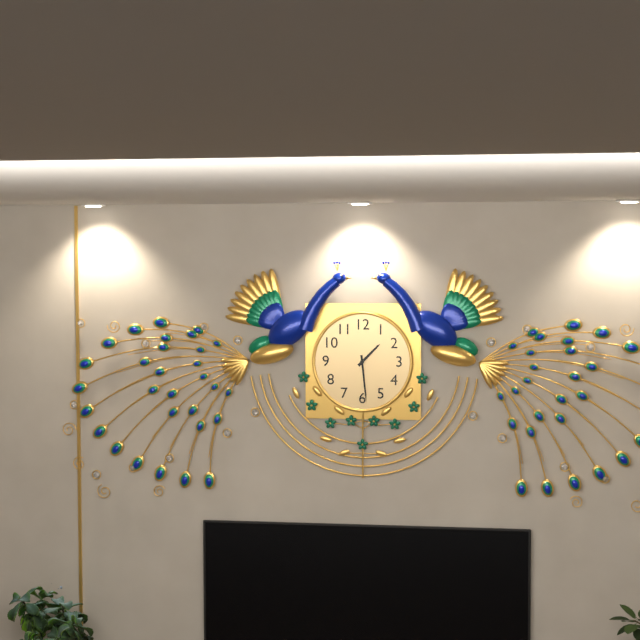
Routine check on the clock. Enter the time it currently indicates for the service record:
1:29
